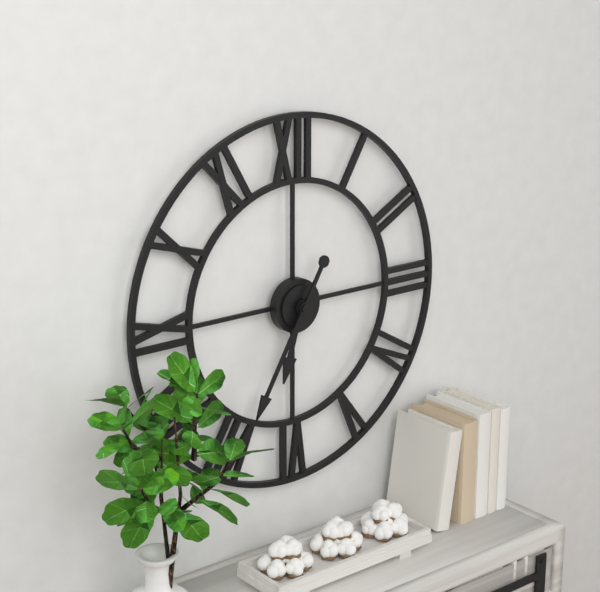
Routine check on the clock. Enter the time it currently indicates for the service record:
6:35
